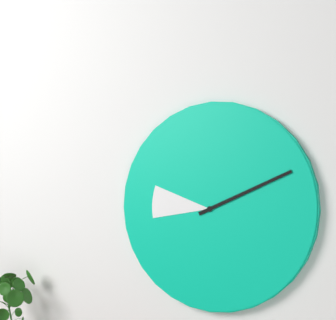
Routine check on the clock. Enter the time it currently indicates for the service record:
9:11
